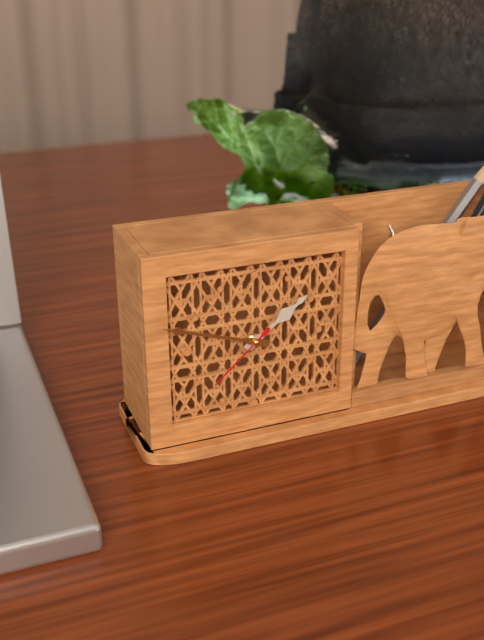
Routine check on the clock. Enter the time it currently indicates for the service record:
1:48:38
